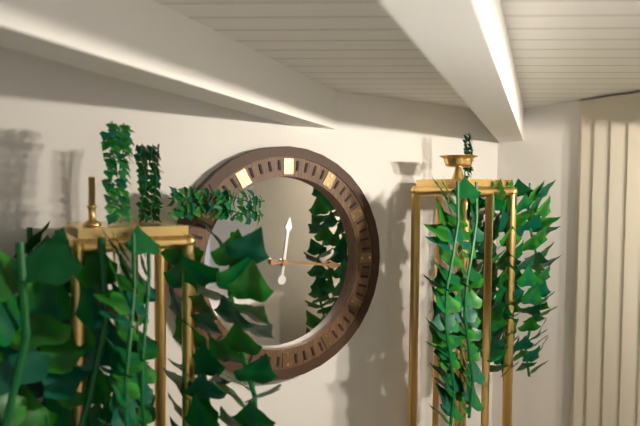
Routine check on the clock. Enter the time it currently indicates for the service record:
12:16
